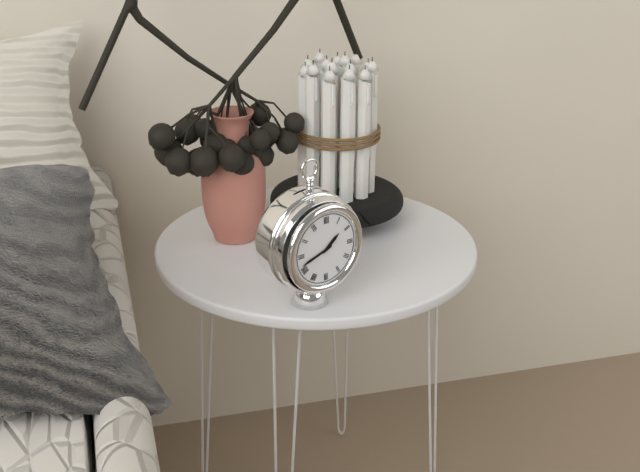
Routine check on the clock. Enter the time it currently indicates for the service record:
1:42
